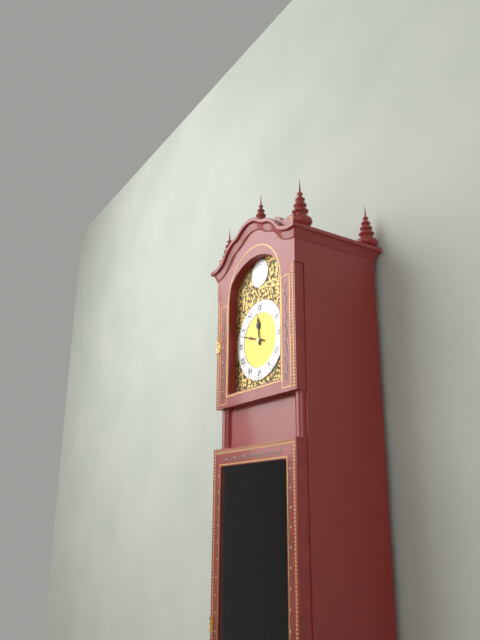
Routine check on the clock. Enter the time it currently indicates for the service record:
11:48
